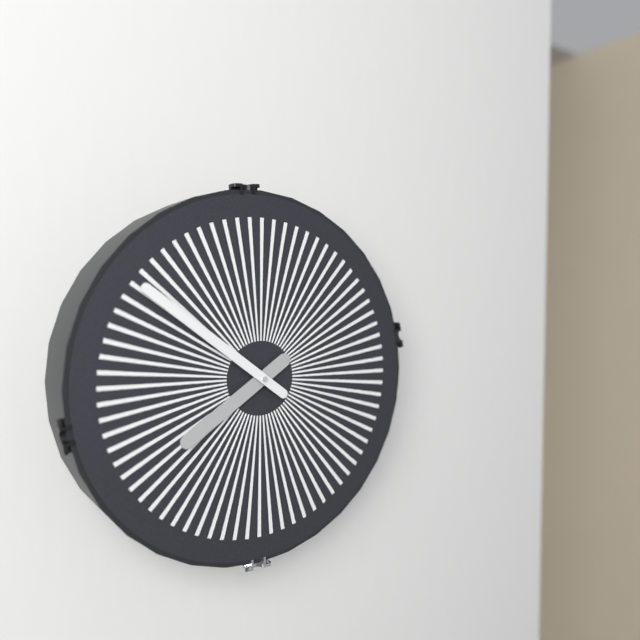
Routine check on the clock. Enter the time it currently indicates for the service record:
7:51
